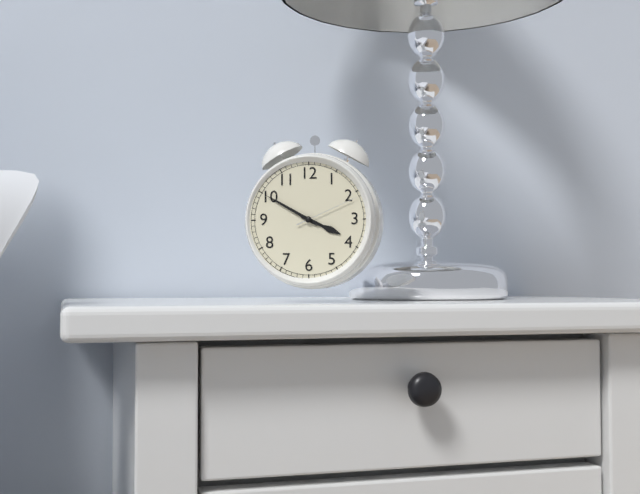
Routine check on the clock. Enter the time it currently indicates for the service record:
3:50:11
